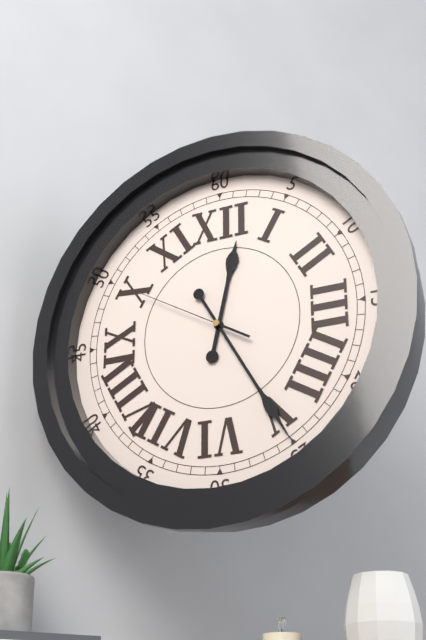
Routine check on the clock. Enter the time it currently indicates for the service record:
12:25:50
